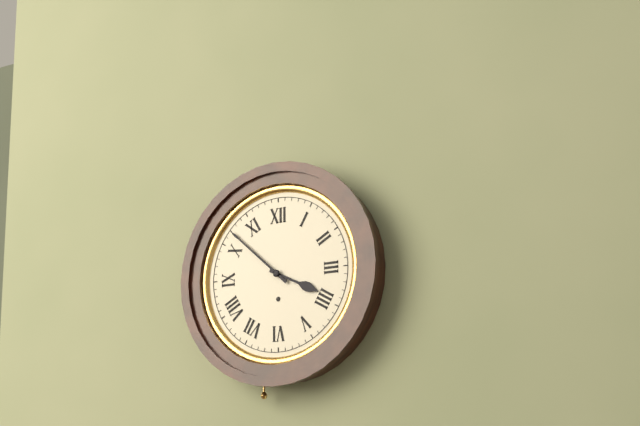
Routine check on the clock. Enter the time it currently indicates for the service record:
3:52
